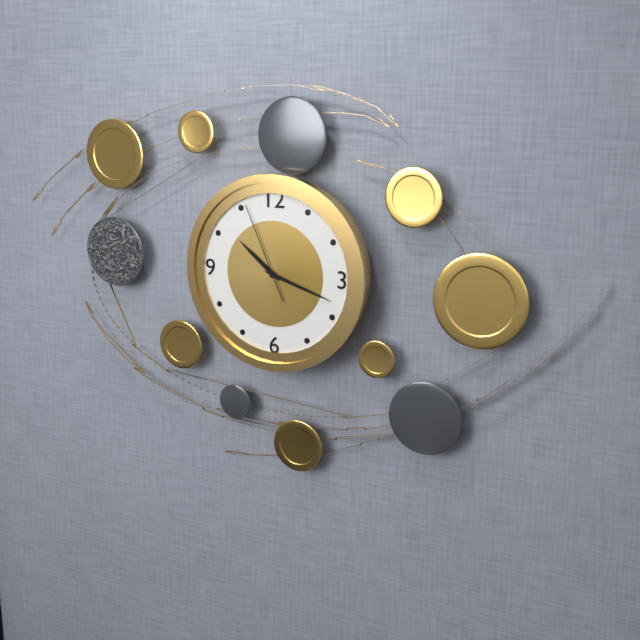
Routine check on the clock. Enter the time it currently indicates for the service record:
10:18:56
